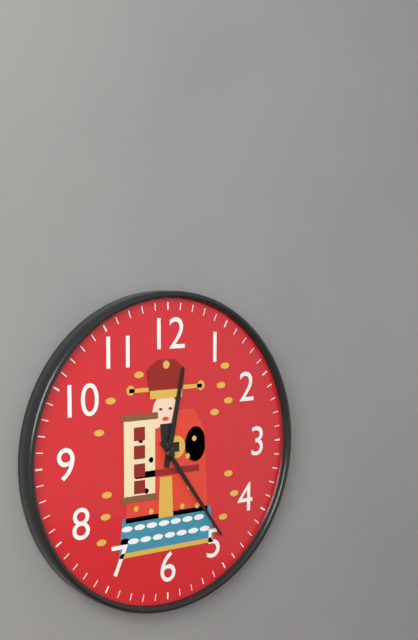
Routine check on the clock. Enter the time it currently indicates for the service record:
12:24
